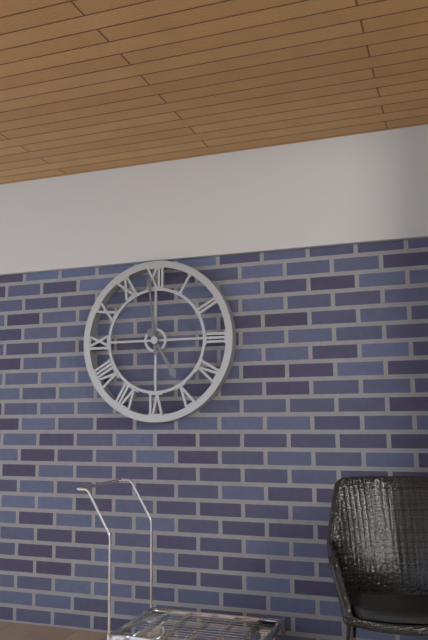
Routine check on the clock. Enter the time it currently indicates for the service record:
4:59
